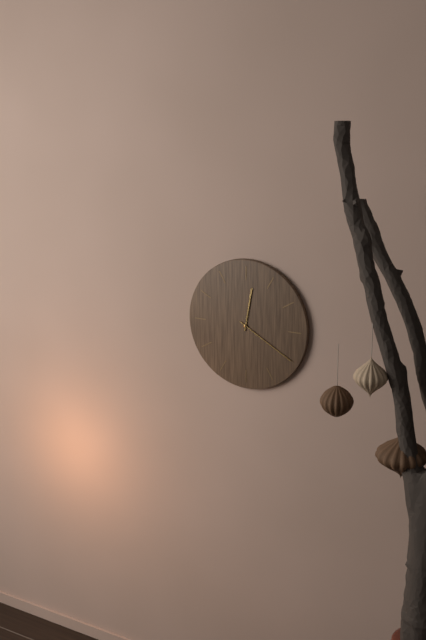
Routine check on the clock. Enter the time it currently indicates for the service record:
12:20
